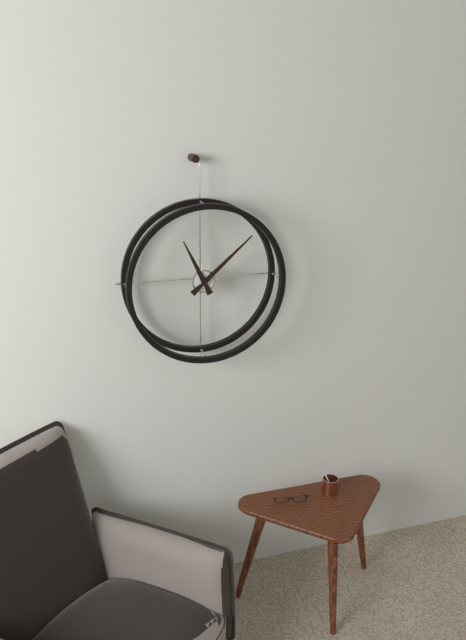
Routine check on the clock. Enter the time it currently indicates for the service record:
11:08
